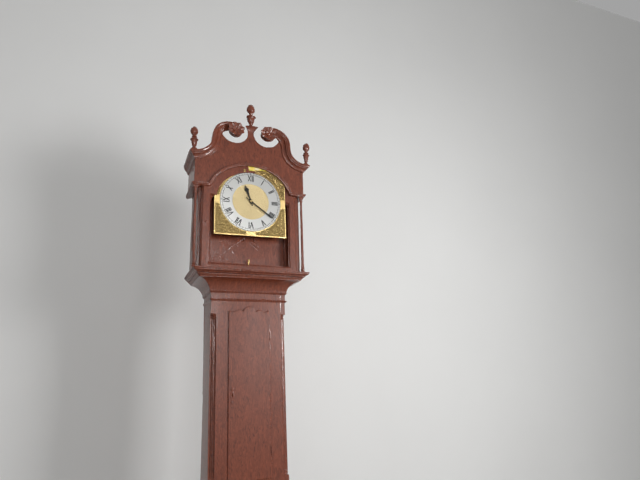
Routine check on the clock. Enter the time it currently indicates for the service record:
11:21
